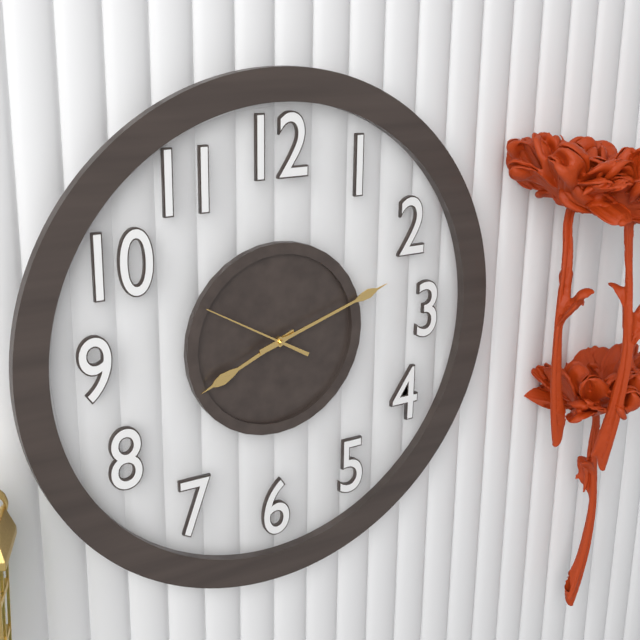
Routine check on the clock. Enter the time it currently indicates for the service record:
8:12:50
